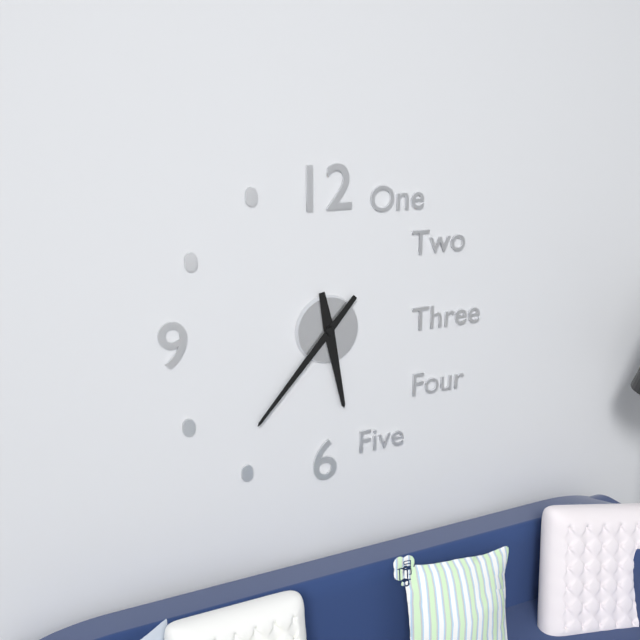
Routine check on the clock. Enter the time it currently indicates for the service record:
5:37
